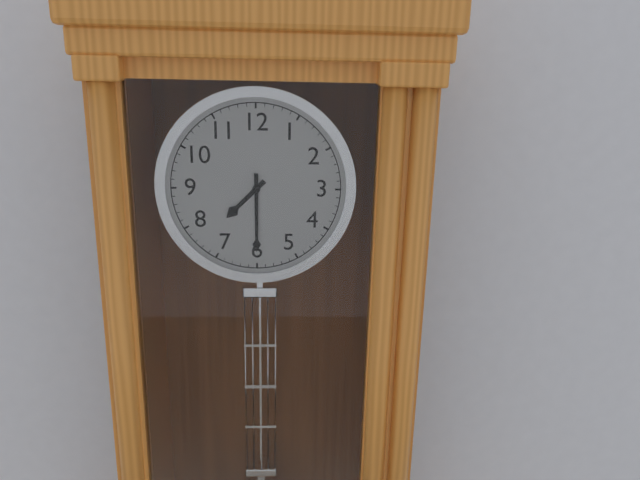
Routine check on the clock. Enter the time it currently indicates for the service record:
7:30
